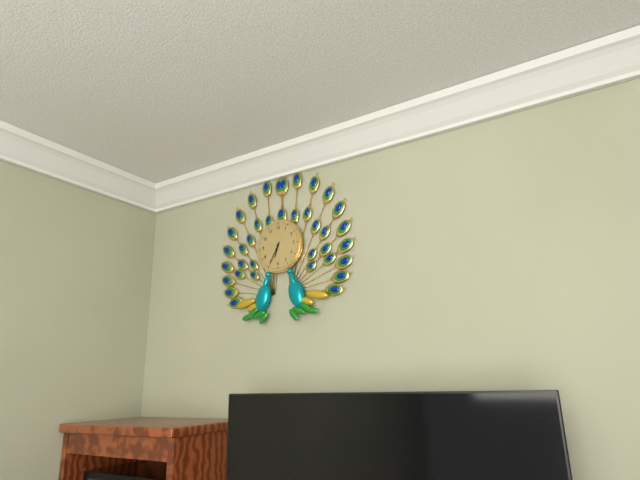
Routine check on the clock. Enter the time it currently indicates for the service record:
6:35
